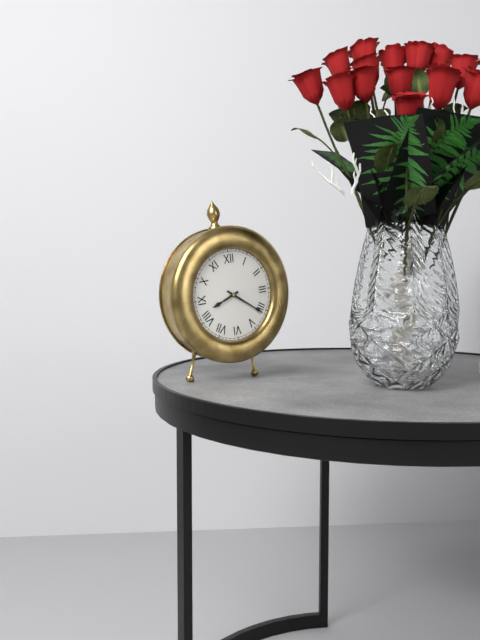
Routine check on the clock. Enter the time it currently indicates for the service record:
8:21
